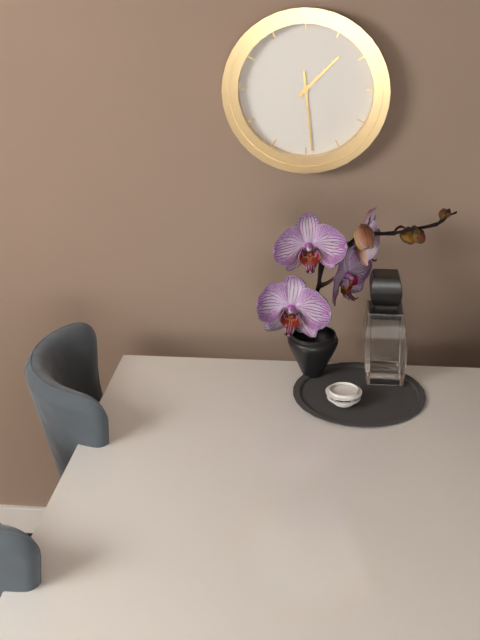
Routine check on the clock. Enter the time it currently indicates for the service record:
1:29
